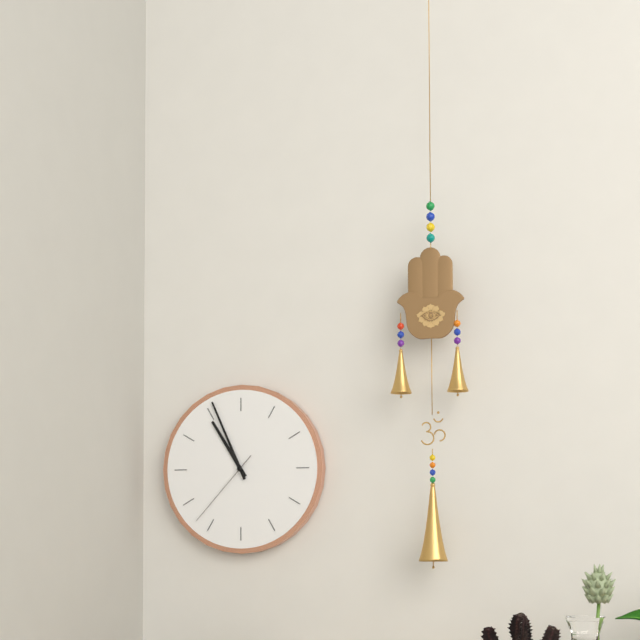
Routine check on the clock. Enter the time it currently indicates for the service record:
10:56:37
